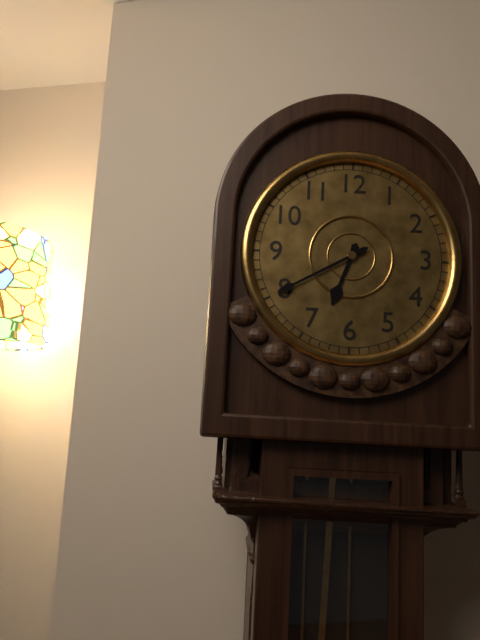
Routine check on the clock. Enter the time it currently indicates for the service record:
6:40
